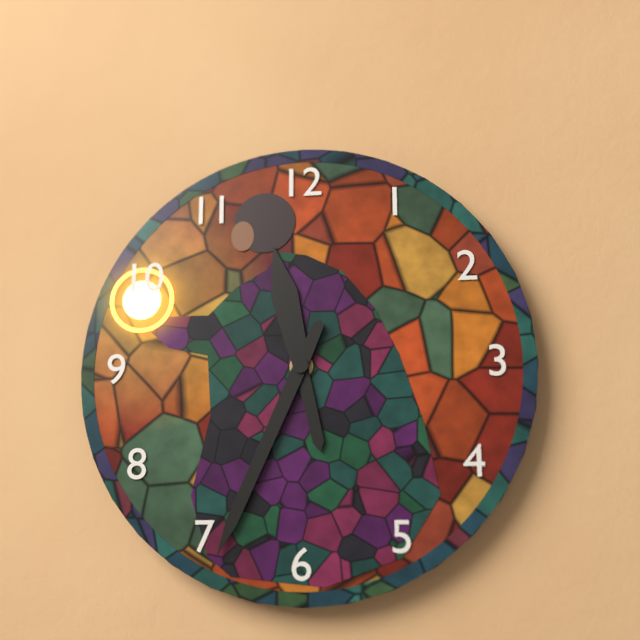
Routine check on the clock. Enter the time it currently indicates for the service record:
11:34
